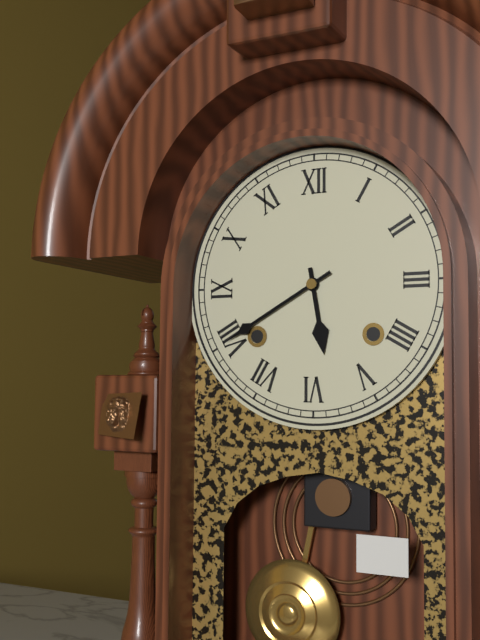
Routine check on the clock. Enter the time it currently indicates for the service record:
5:40
